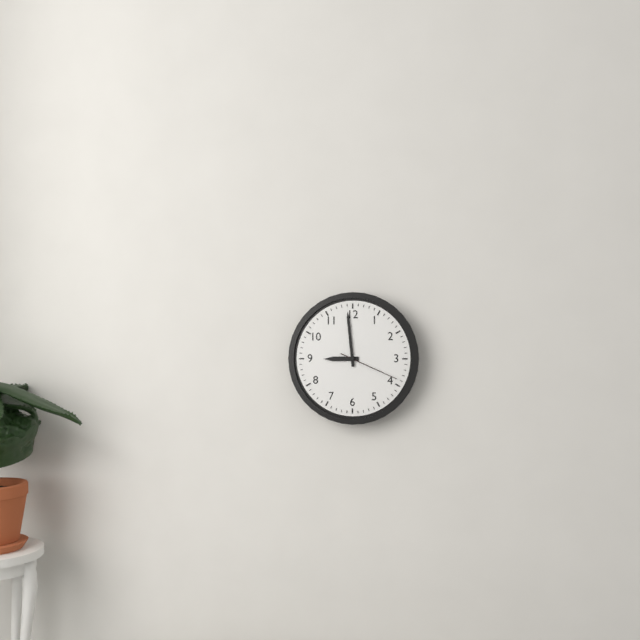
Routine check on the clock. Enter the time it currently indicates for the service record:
8:59:19
